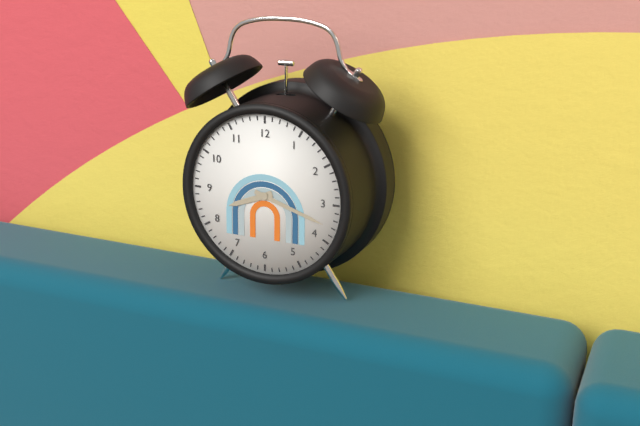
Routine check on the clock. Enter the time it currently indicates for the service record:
8:18
